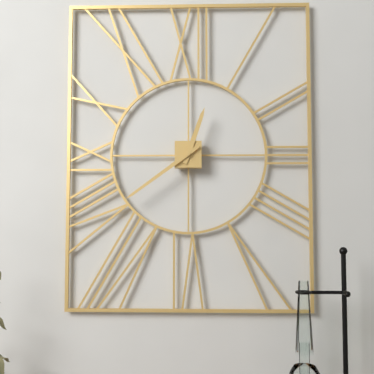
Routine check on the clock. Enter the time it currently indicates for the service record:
12:39
